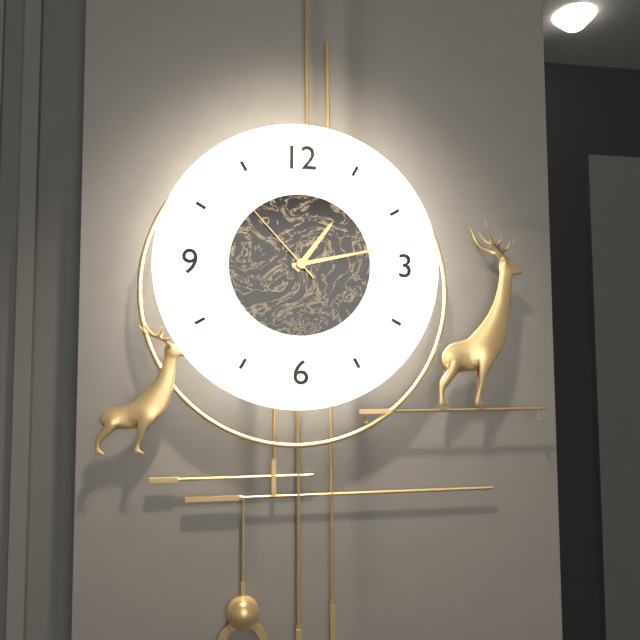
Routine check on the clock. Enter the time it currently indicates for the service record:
1:13:53
